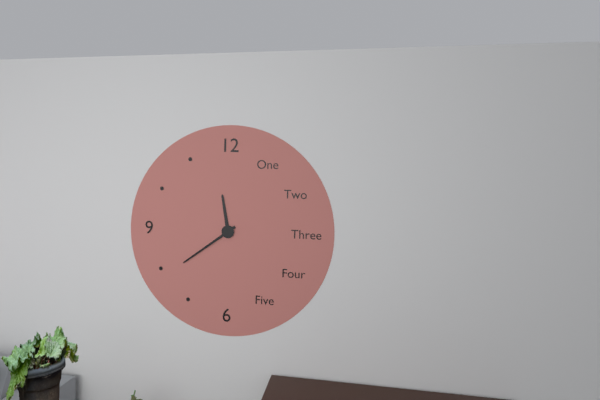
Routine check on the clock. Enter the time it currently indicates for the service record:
11:39
